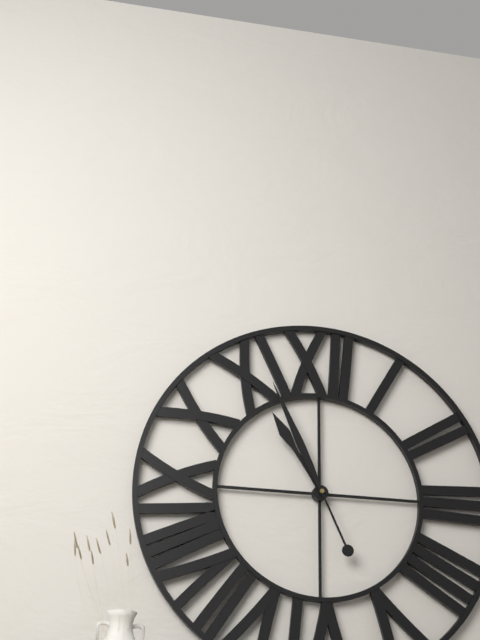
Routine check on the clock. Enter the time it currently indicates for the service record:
10:56
